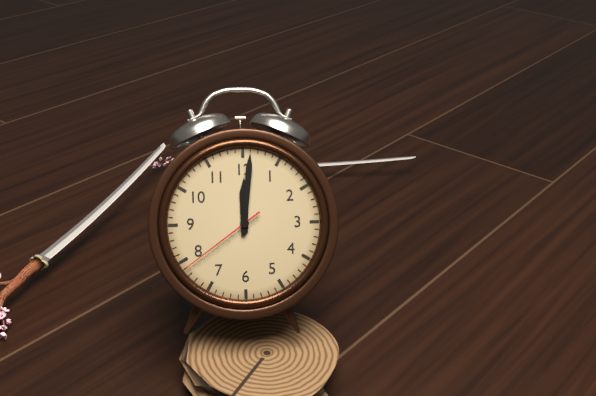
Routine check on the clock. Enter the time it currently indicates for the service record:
12:01:39
